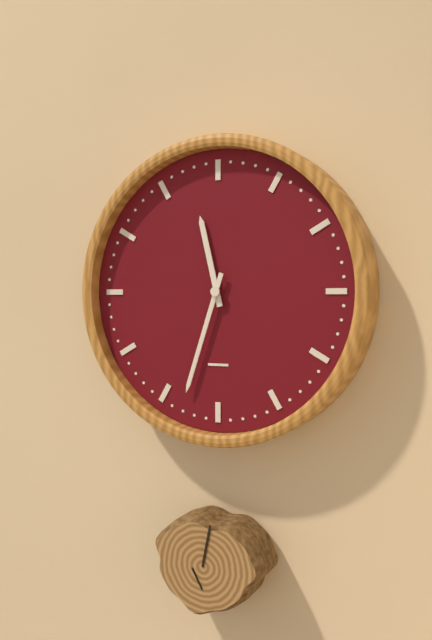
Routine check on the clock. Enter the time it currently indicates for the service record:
11:33
